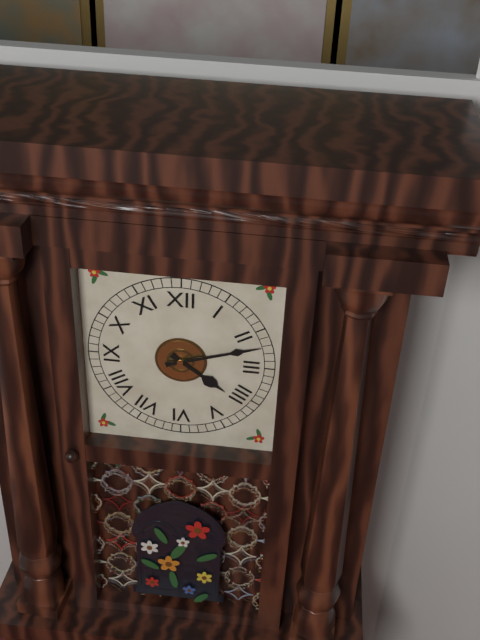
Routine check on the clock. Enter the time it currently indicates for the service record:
4:12
